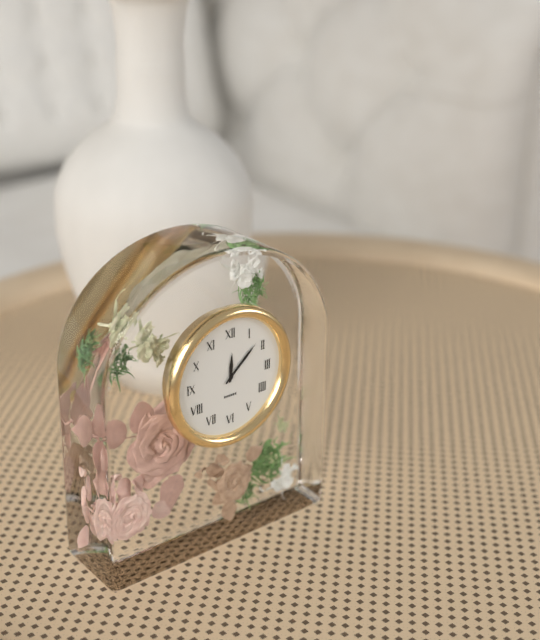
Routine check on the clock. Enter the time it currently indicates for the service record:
12:08
